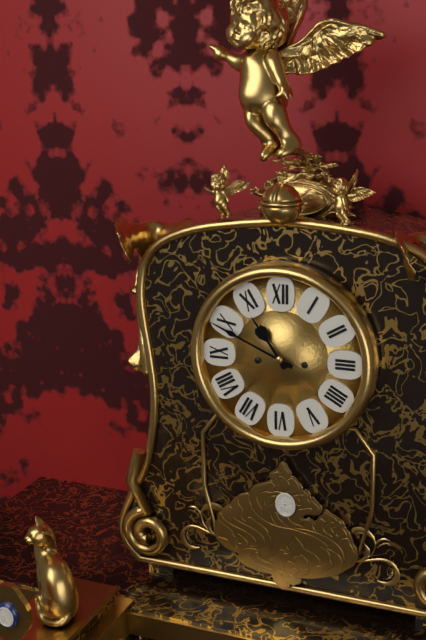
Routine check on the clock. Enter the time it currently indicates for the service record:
10:49
